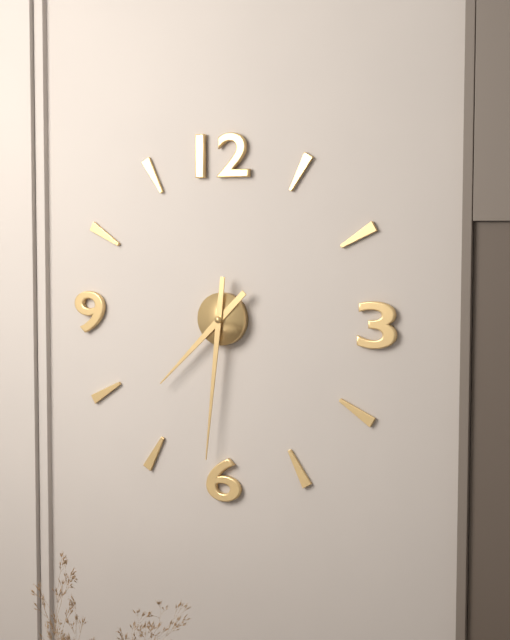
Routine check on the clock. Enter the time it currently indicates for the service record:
7:31
